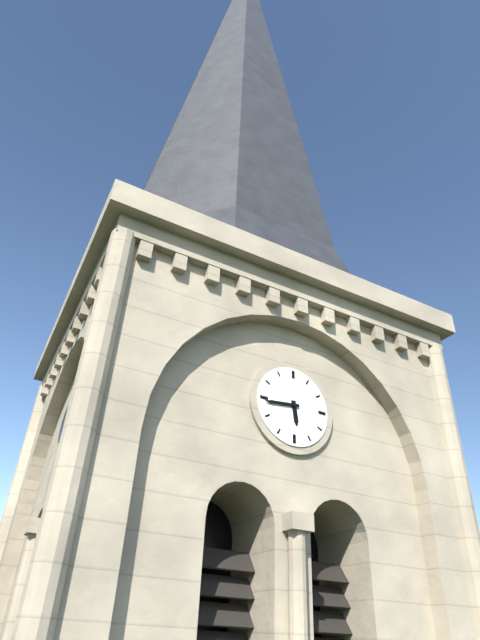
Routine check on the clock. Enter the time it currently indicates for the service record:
5:44
